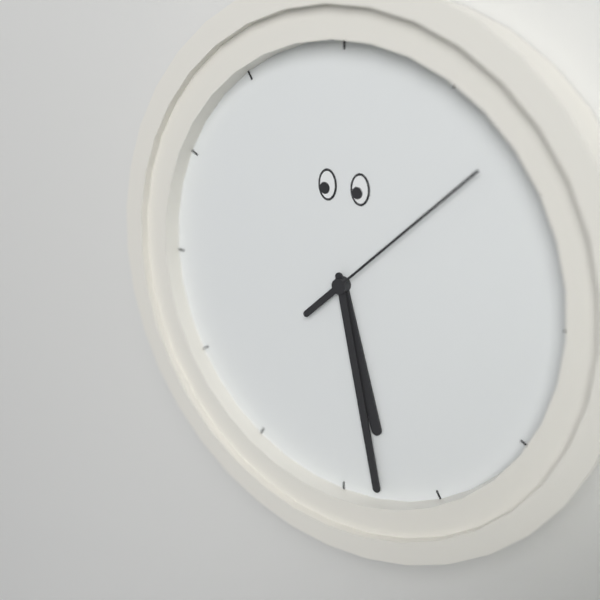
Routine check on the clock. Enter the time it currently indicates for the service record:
5:28:08
